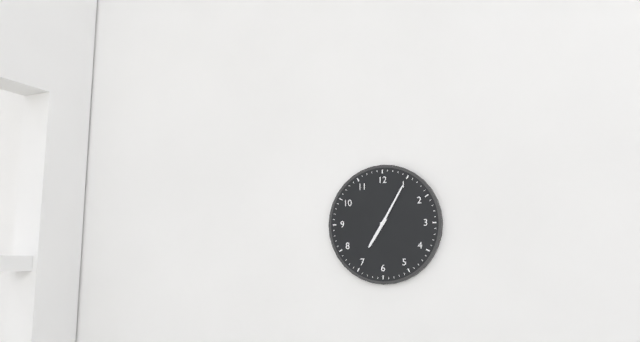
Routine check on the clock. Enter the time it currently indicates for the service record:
7:05
